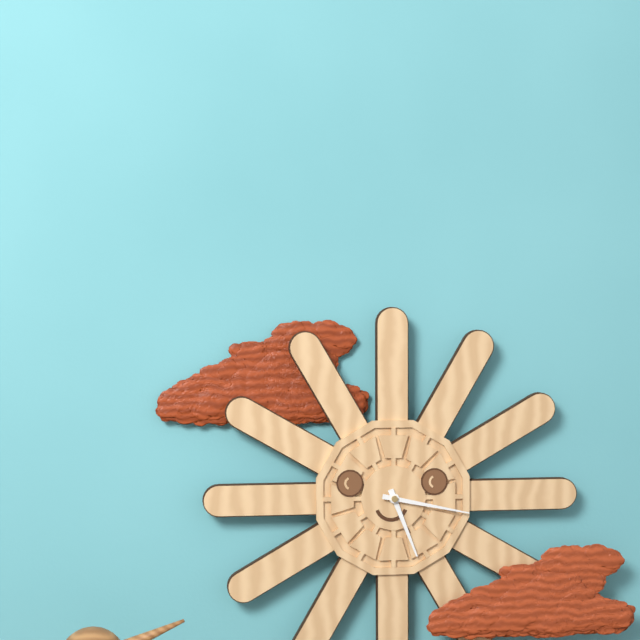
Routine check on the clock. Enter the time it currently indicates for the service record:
5:17
